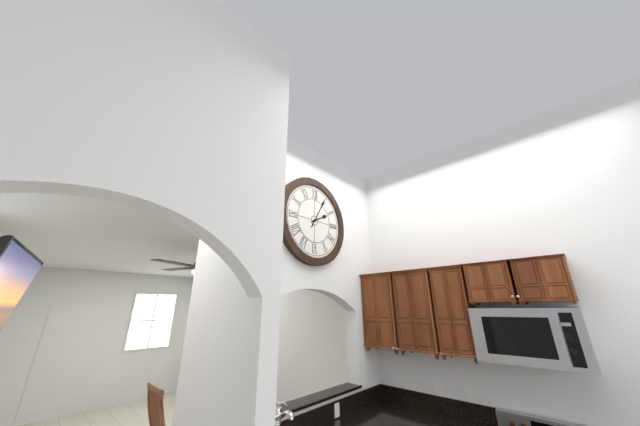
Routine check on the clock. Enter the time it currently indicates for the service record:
2:05
